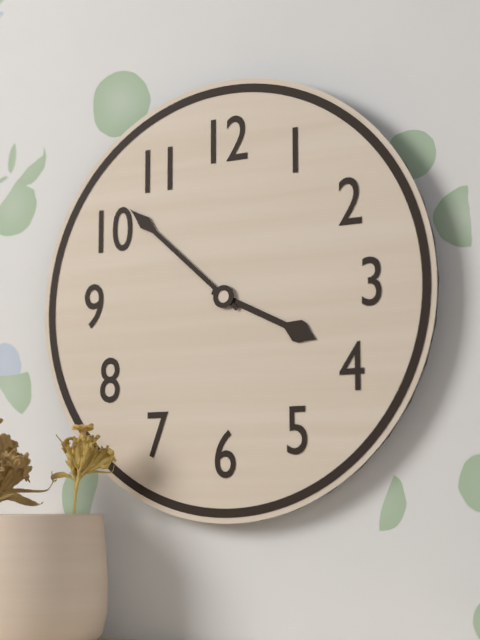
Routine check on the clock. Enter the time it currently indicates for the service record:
3:52
